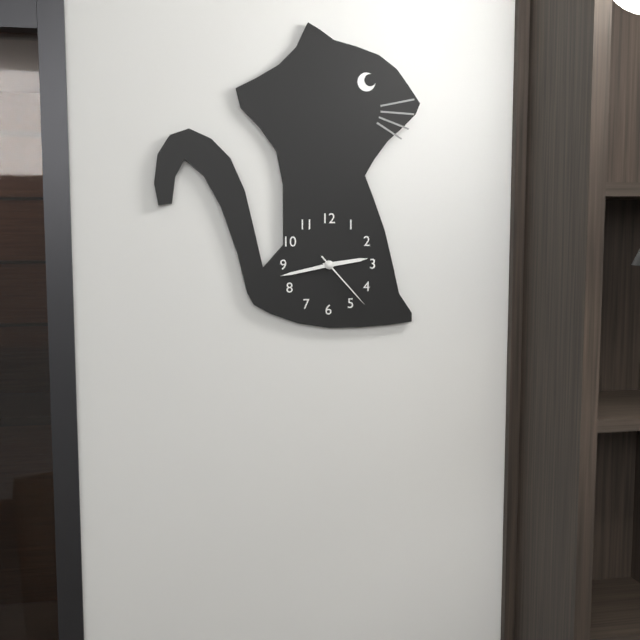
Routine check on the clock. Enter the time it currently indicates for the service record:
2:43:23
